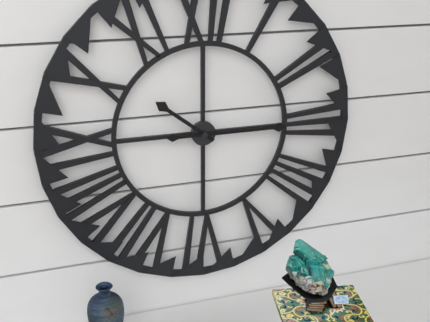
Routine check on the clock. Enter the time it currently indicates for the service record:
10:15
